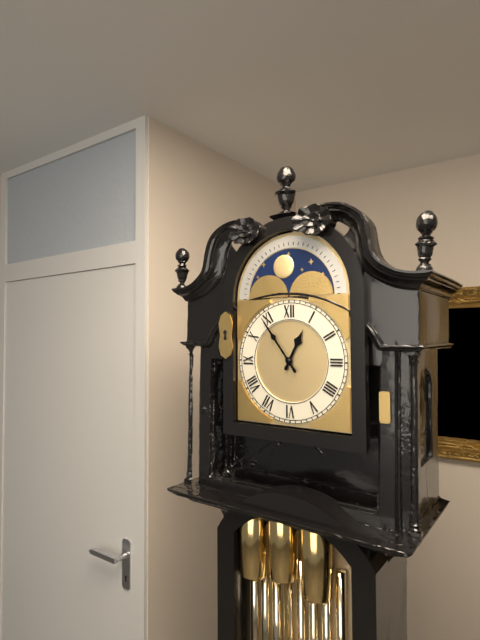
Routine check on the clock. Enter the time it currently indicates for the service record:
12:54
